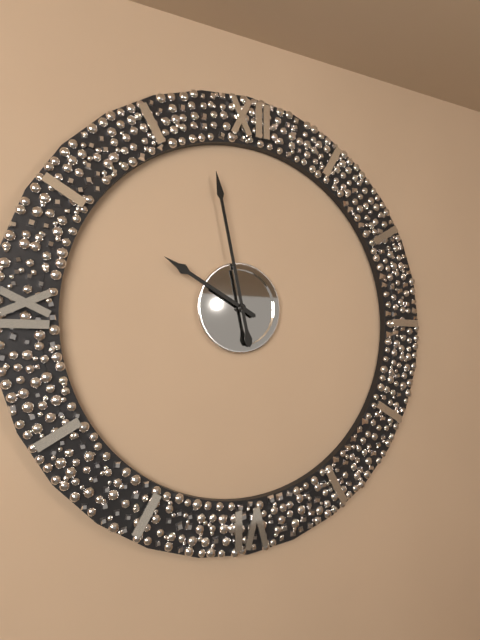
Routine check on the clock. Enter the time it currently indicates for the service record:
9:58
